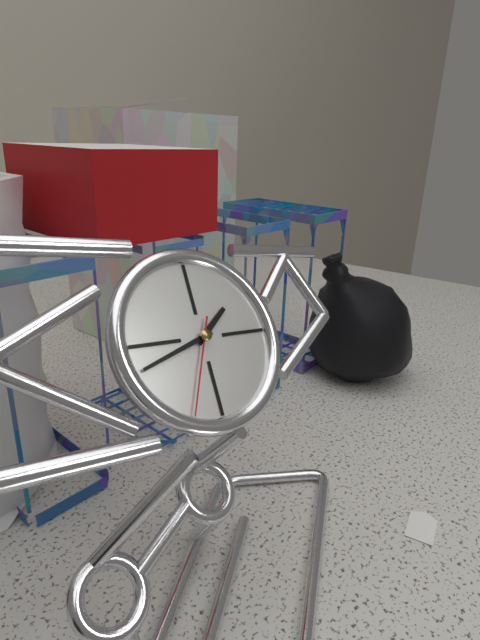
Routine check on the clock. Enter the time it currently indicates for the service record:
1:42:34
